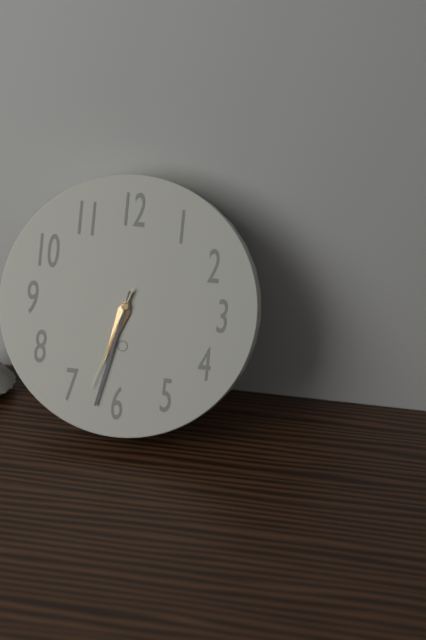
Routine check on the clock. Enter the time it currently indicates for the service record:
6:32:33
